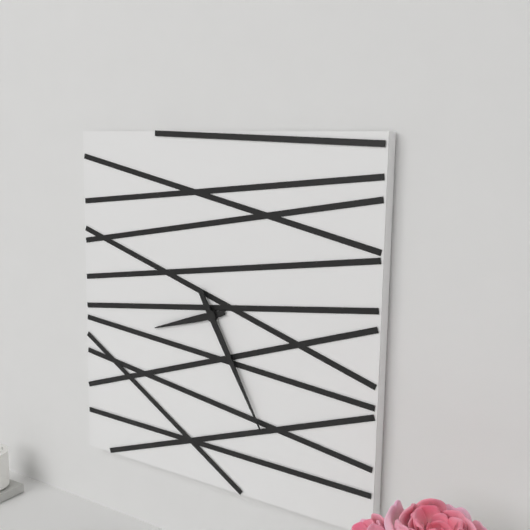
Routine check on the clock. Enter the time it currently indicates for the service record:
8:25
